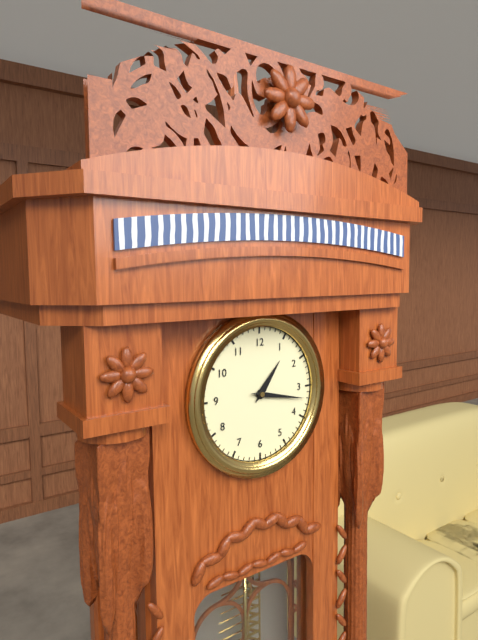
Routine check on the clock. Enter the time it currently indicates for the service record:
1:17
